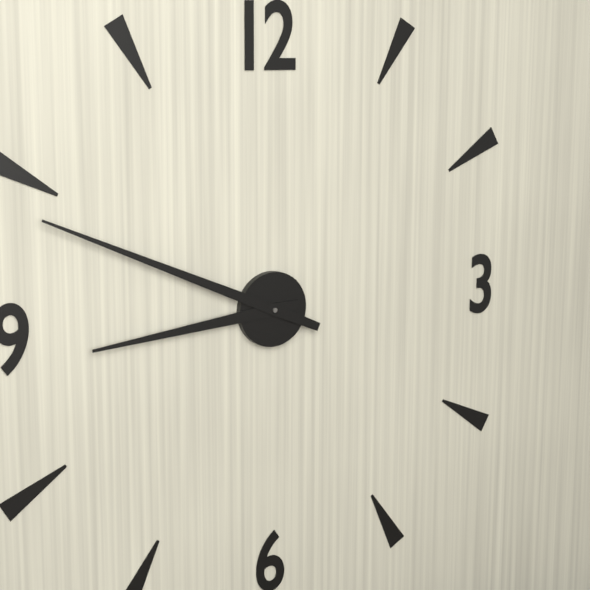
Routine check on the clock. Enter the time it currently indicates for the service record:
8:49
